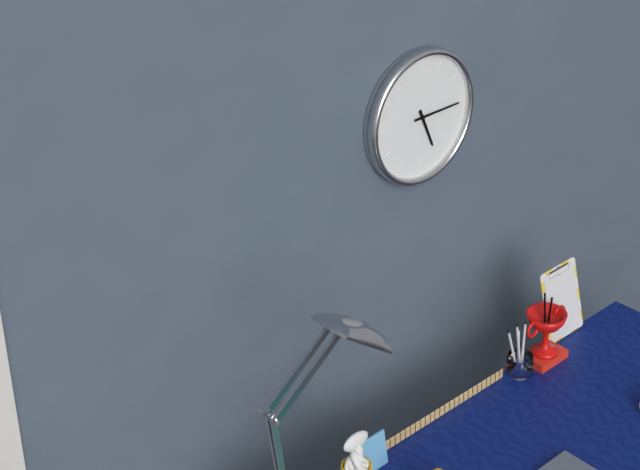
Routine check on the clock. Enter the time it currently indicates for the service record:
5:15
